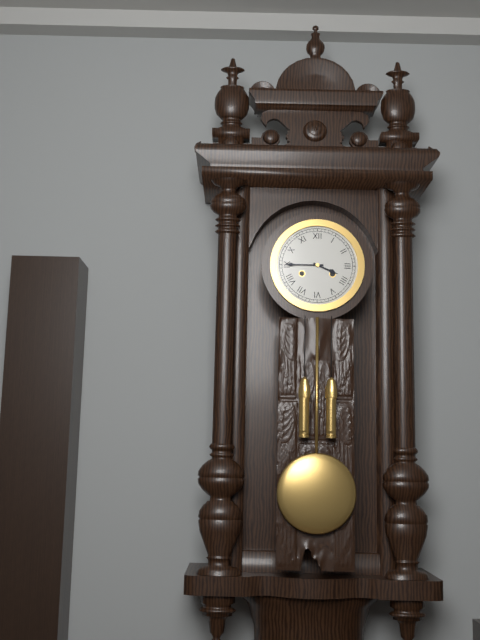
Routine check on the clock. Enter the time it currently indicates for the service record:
3:45
